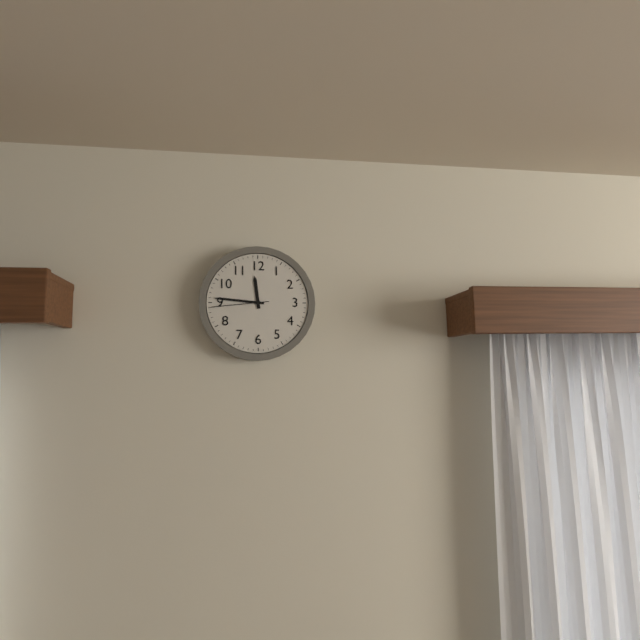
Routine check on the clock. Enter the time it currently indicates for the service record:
11:46:44
